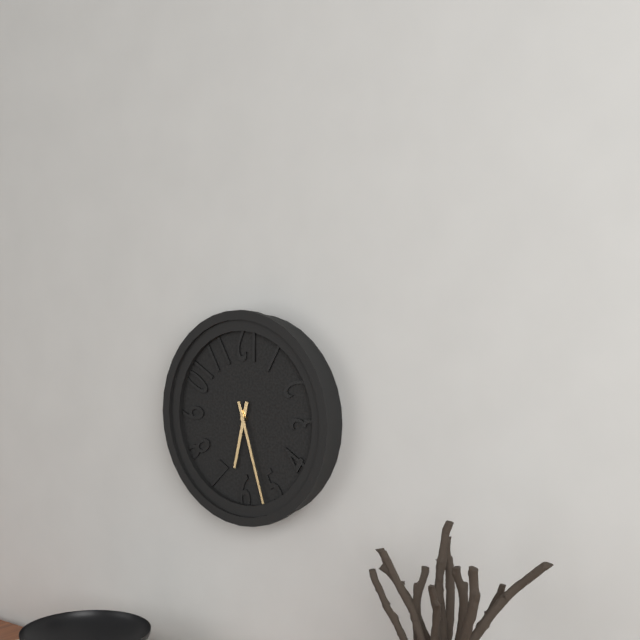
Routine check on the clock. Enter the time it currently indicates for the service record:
6:27
